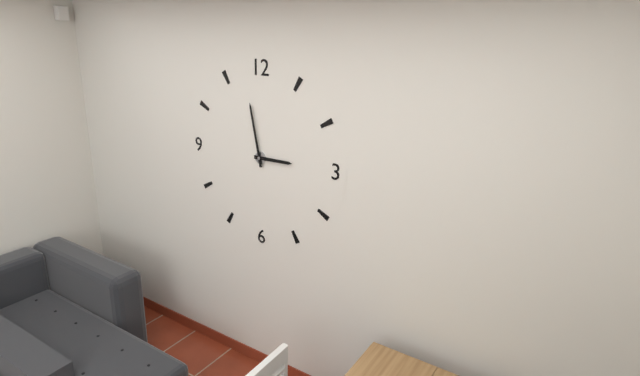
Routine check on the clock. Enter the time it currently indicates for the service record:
2:58
